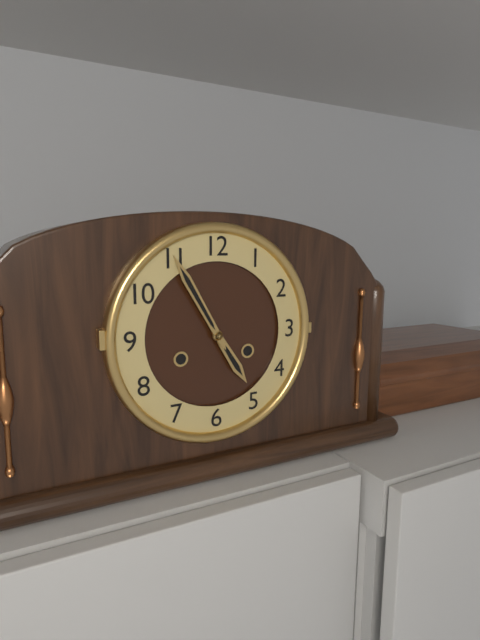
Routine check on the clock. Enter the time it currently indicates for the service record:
4:55
